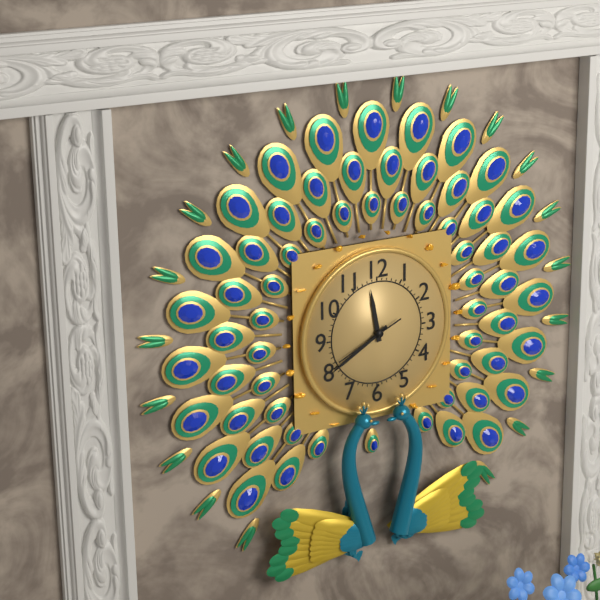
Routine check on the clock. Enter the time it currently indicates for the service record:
11:40:41
